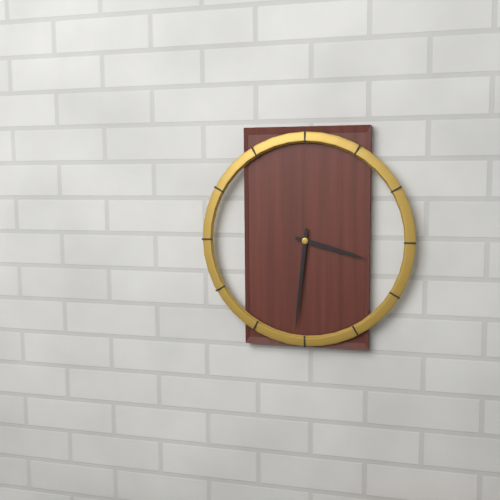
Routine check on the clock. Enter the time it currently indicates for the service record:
3:31
